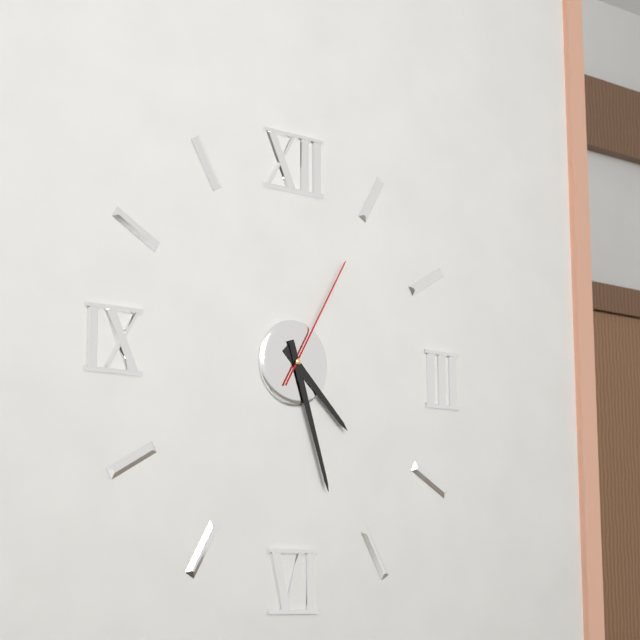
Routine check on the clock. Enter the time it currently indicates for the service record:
4:27:05
